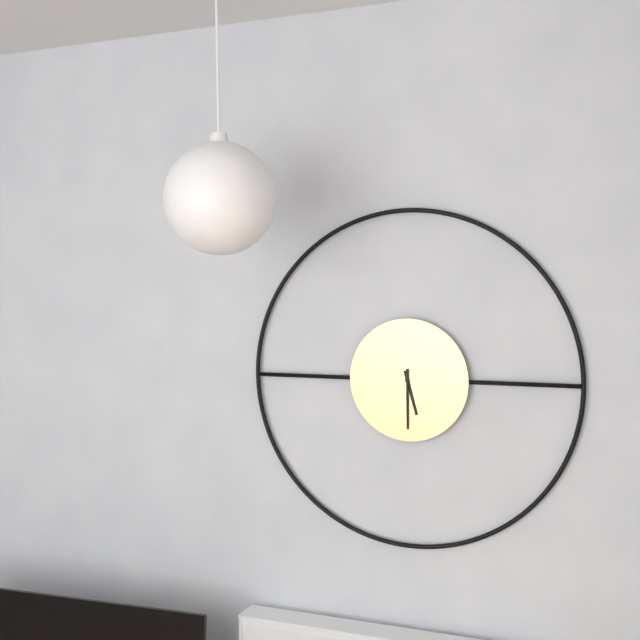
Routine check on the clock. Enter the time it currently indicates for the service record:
5:30
